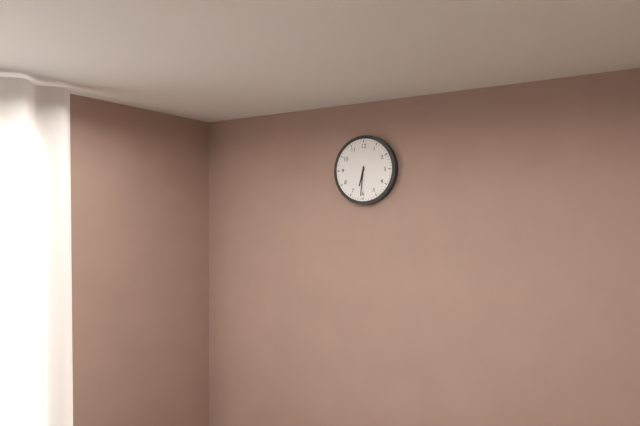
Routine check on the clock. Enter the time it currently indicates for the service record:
6:31
